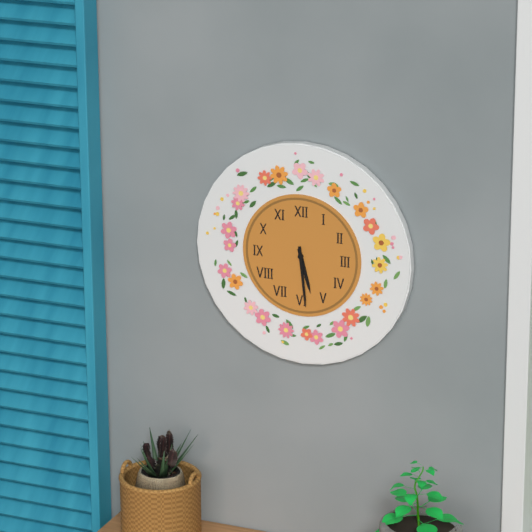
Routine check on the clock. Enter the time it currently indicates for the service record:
5:29
